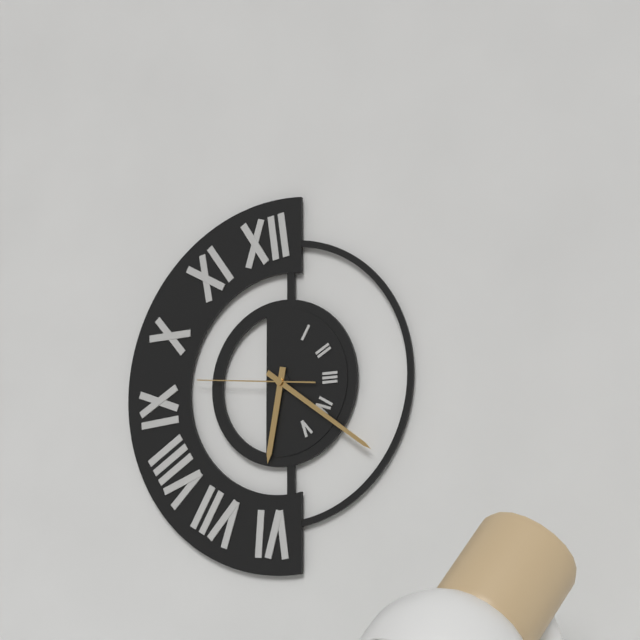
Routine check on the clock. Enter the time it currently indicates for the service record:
6:21:46
